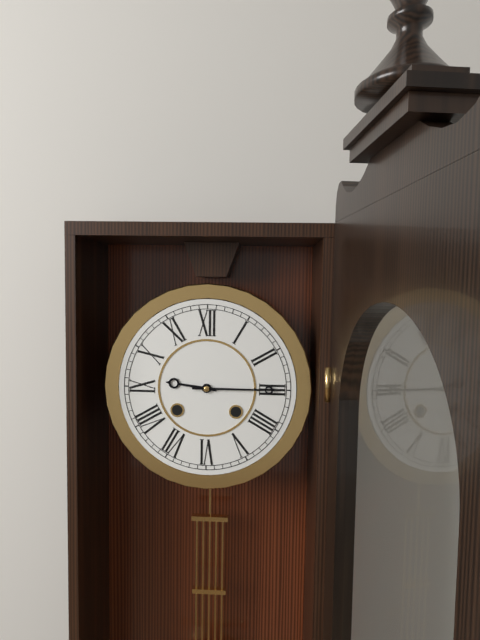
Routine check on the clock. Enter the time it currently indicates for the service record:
9:15
